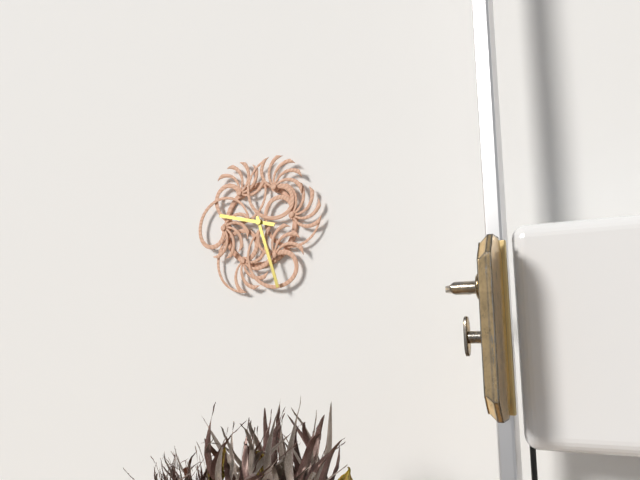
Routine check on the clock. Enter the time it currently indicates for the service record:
9:27
